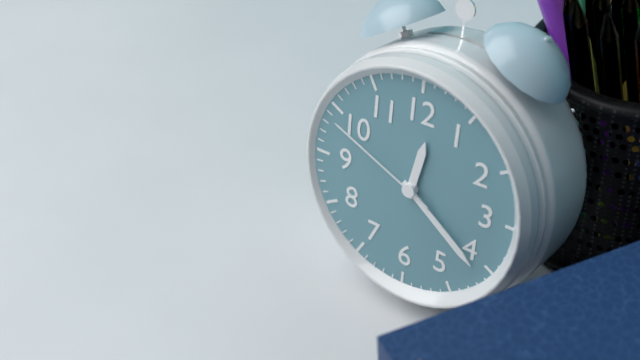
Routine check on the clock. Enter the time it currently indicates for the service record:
12:21:49
